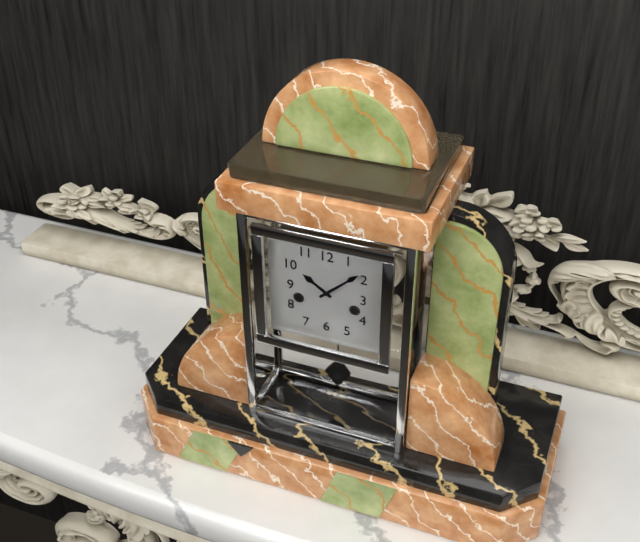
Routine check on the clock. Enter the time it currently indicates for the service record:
10:08
